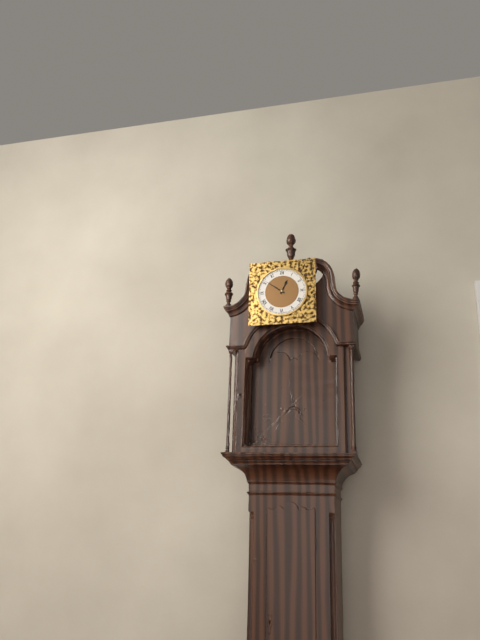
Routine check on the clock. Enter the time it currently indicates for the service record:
12:51
